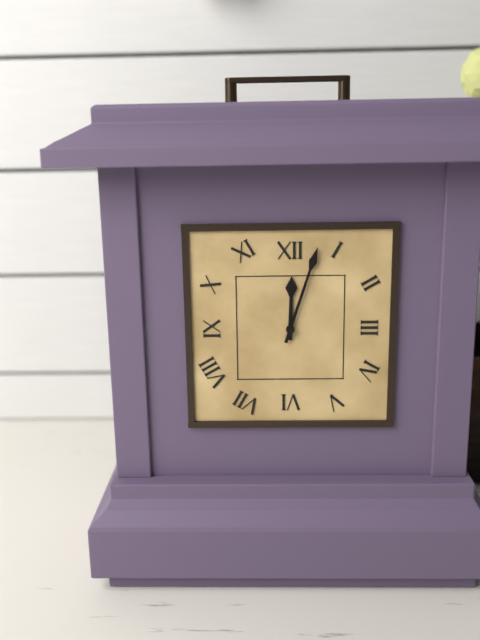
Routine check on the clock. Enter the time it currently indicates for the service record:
12:03
